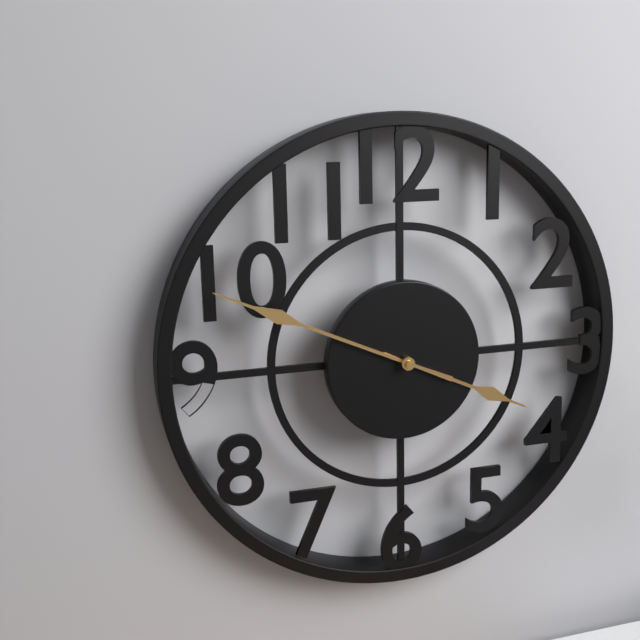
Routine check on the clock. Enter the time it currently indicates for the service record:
3:49
